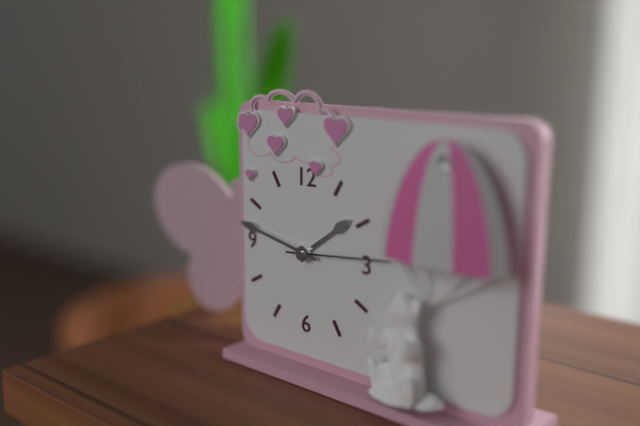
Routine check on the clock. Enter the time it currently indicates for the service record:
1:47:14
